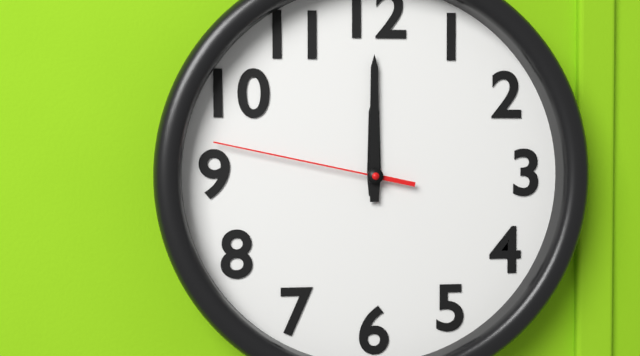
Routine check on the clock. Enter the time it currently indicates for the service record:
12:00:47
